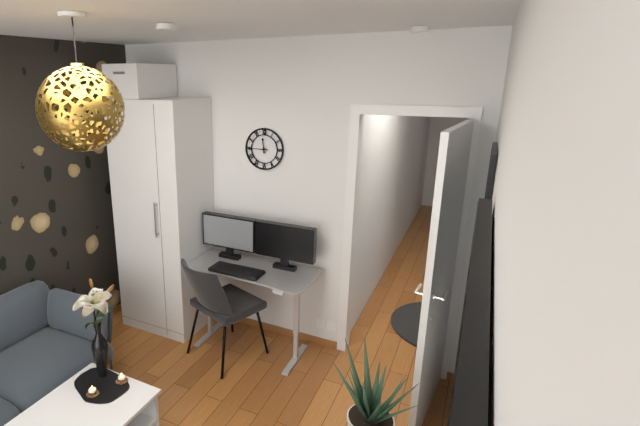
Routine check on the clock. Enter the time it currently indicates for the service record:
11:45
